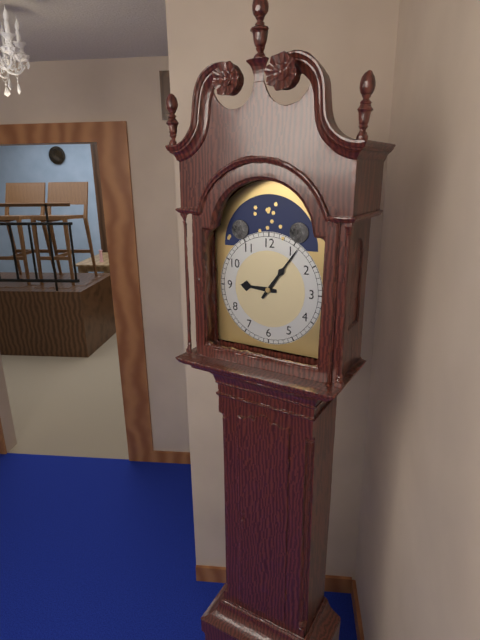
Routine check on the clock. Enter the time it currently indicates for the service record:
9:06
